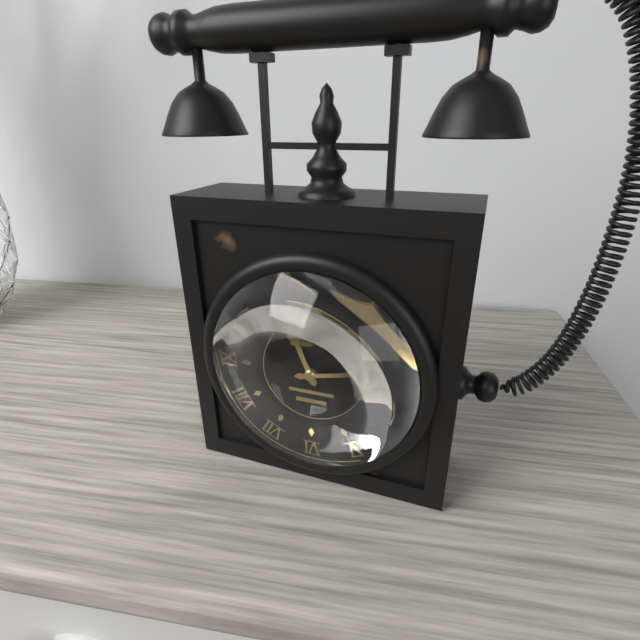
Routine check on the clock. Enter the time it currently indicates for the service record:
11:13
